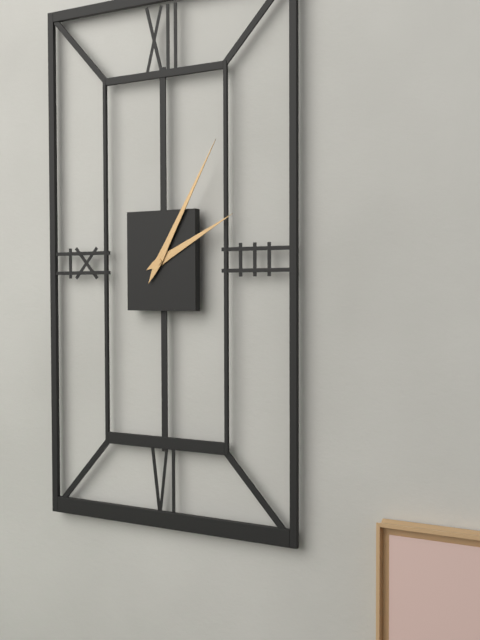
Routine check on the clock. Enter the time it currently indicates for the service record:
2:05
